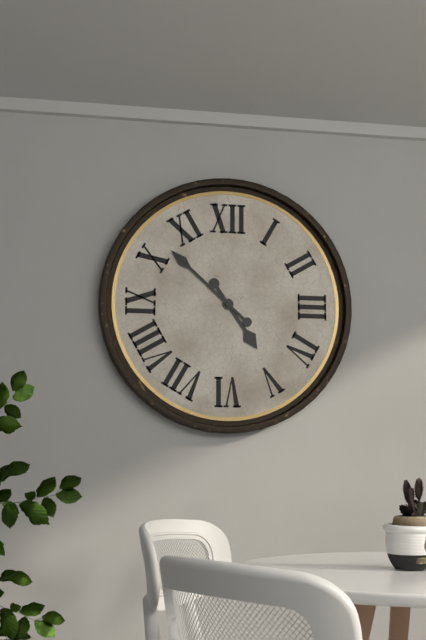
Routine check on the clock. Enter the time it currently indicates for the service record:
4:52
